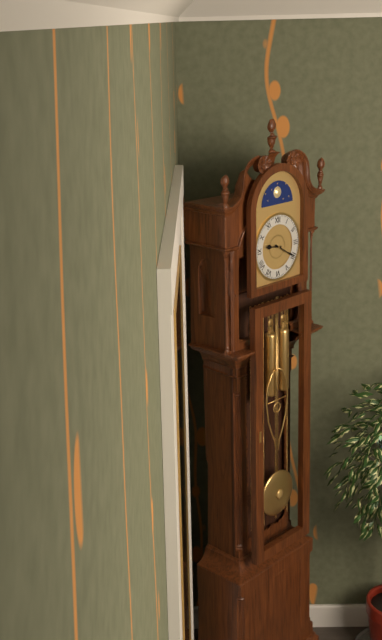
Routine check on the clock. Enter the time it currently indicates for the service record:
9:20
